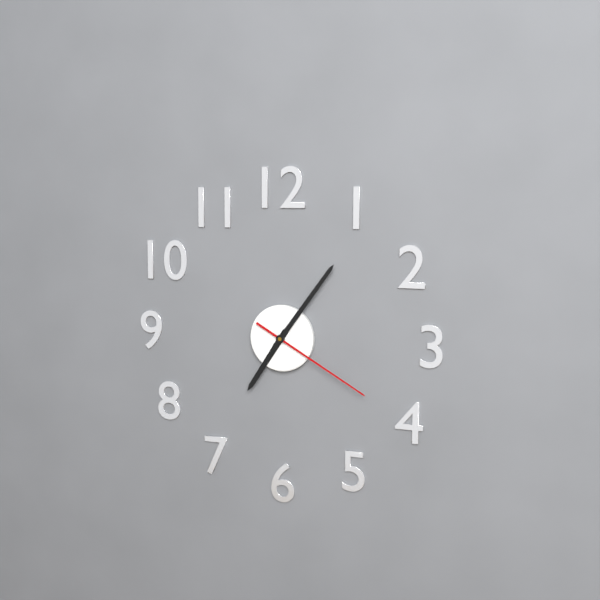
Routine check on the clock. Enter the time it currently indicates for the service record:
7:06:20
